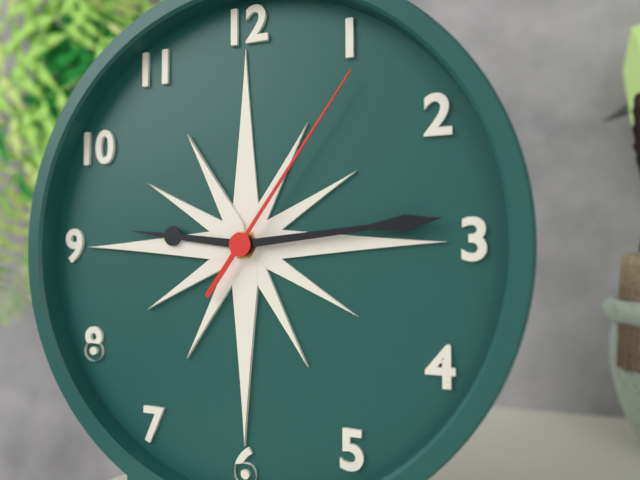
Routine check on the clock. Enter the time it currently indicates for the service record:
9:14:06
